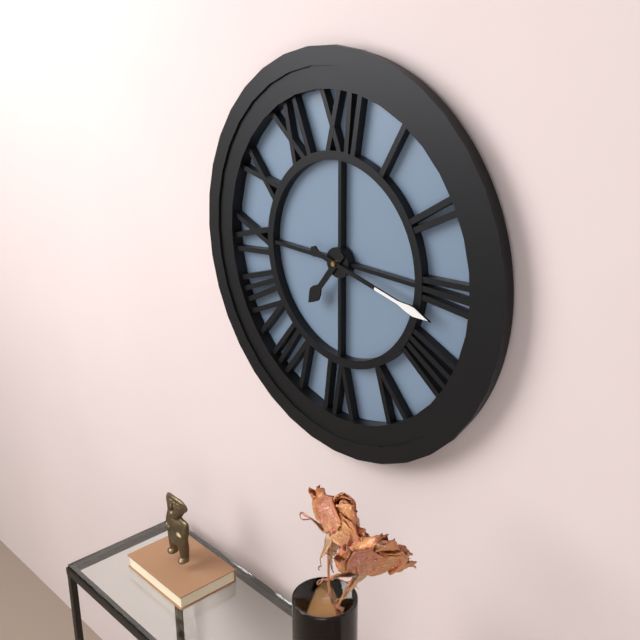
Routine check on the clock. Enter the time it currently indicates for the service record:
7:17
